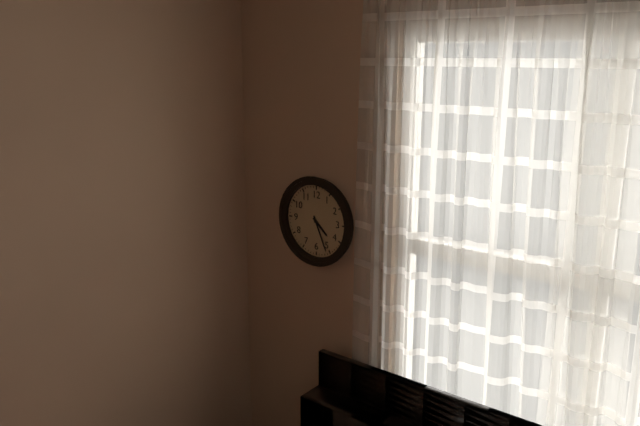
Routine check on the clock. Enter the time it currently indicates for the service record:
4:26
